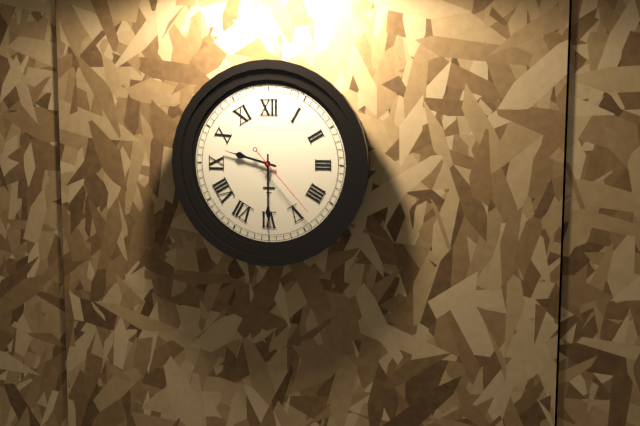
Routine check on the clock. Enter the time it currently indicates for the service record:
9:30:23
